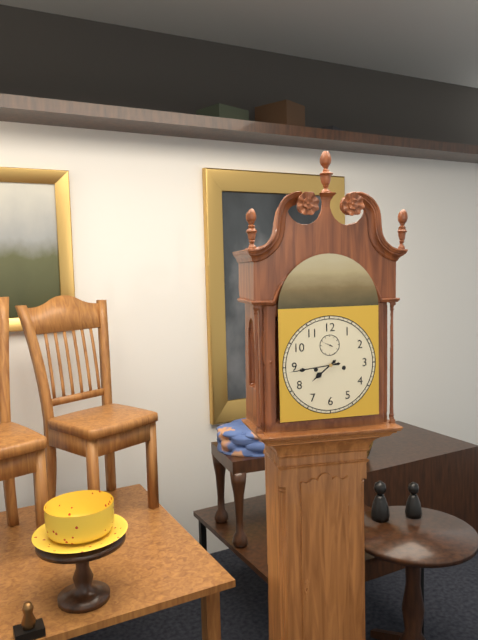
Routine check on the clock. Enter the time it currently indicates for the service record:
7:44
